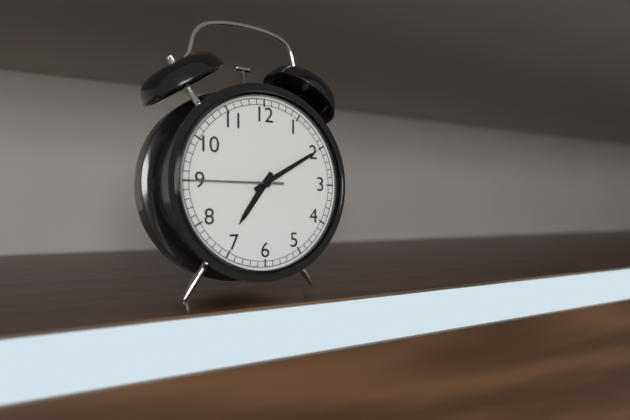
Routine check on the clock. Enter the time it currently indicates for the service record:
7:10:45
